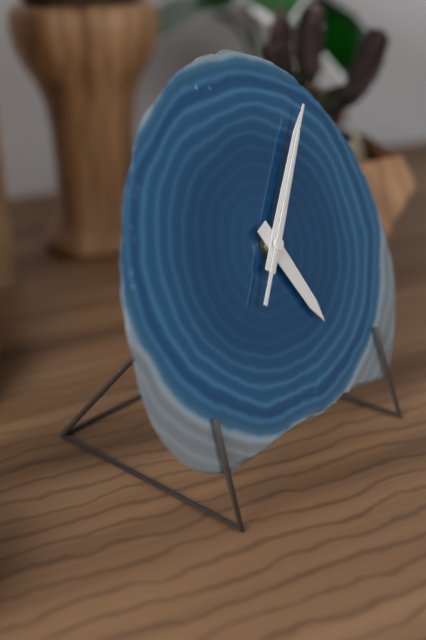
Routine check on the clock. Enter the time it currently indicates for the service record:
5:06:06
